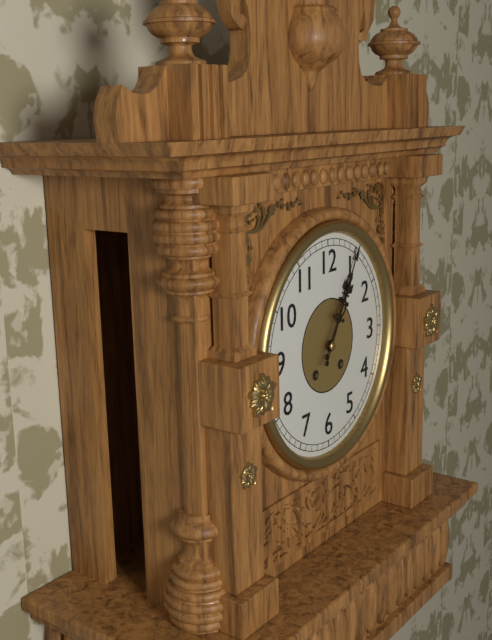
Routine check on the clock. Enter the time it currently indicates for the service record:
1:05
